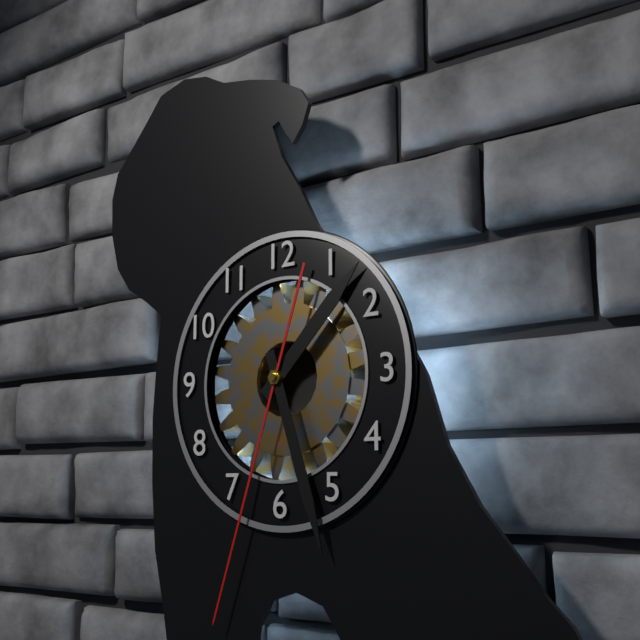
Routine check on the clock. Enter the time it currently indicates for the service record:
1:27:33
